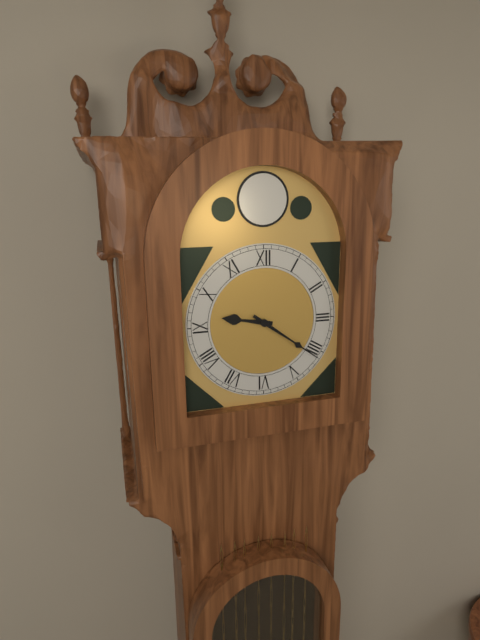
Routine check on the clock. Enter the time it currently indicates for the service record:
9:21
